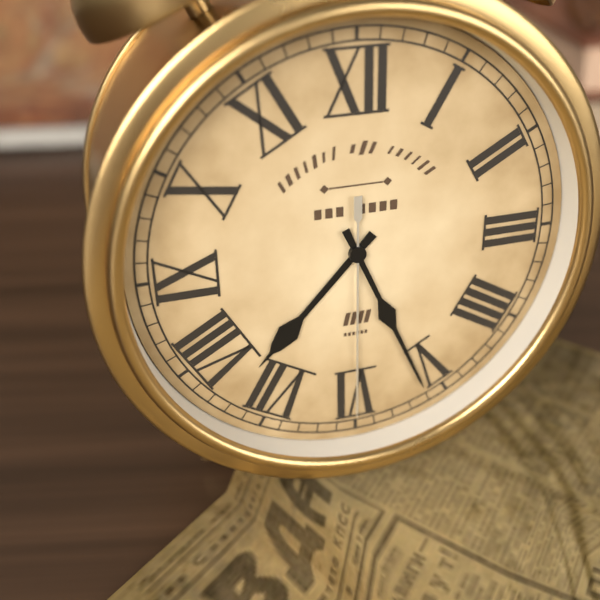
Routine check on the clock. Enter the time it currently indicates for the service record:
7:26:30
